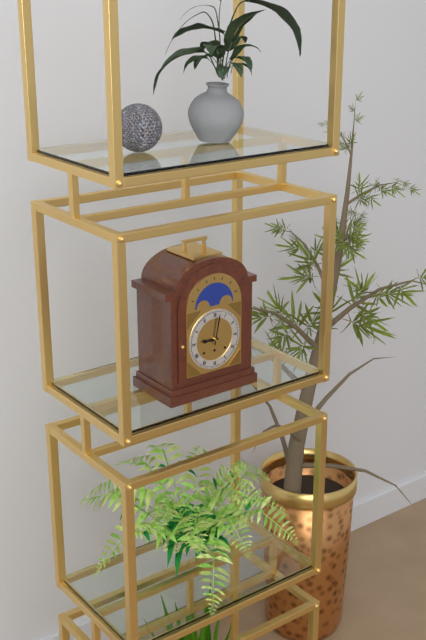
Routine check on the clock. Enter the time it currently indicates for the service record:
9:02
